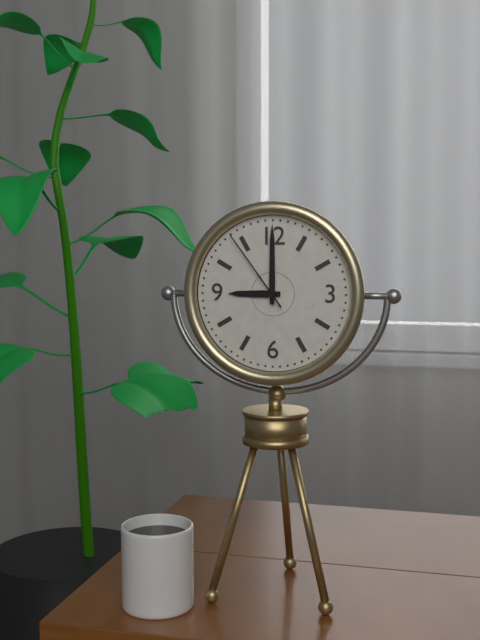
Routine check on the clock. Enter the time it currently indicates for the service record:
9:00:54
